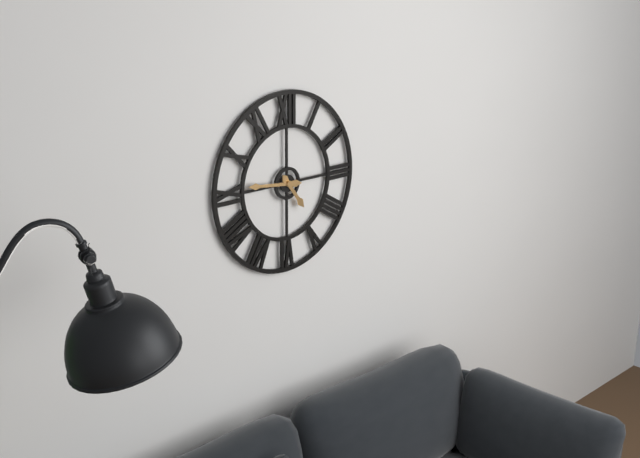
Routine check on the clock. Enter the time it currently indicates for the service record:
4:46
